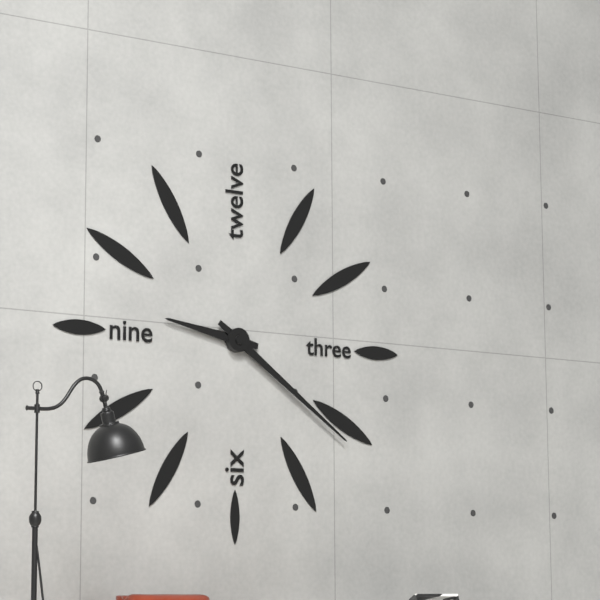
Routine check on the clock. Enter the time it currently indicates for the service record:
9:21
